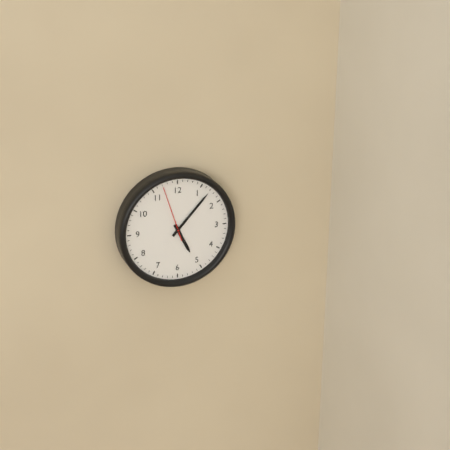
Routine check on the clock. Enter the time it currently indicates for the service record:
5:07:57
